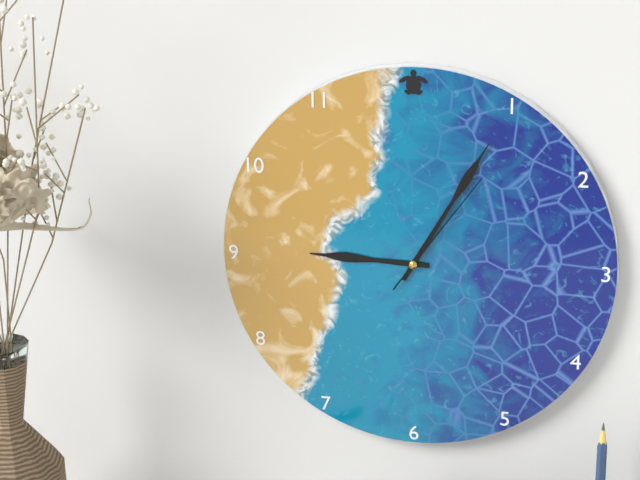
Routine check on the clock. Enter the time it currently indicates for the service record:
9:05:06
